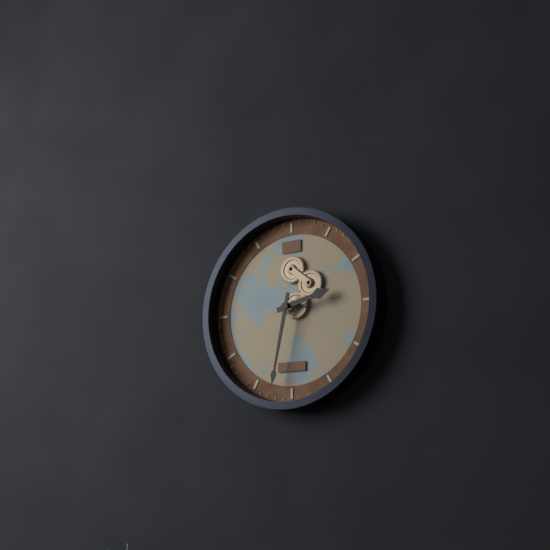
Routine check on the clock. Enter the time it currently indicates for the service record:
2:32
